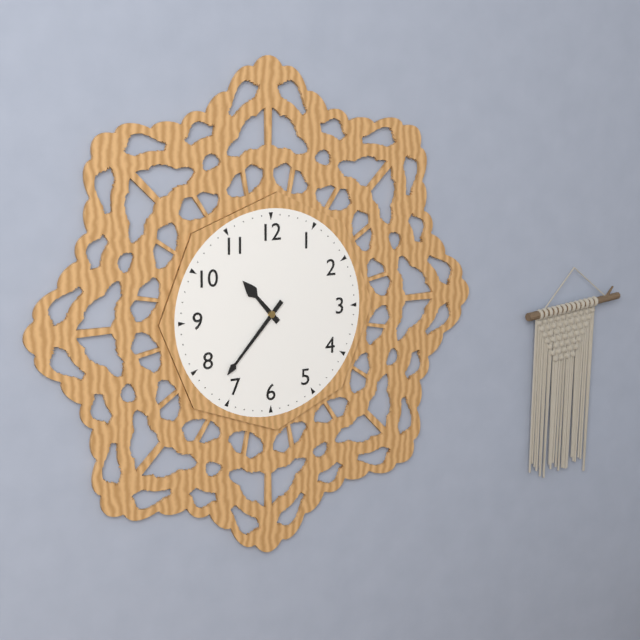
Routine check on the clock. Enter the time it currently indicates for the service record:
10:37
